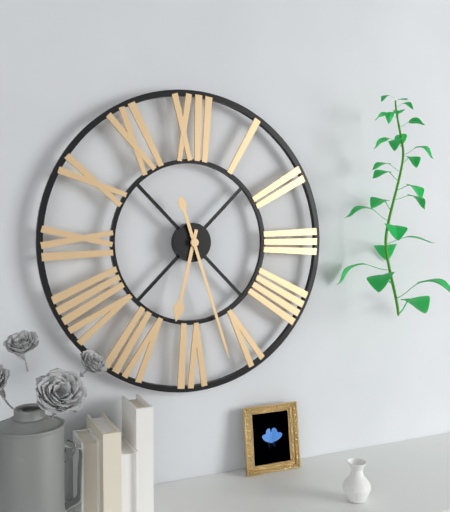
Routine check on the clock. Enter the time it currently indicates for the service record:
6:27
